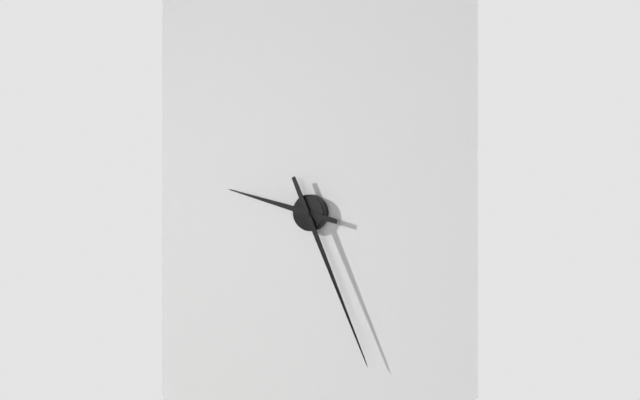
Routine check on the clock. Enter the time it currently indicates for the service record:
9:26
